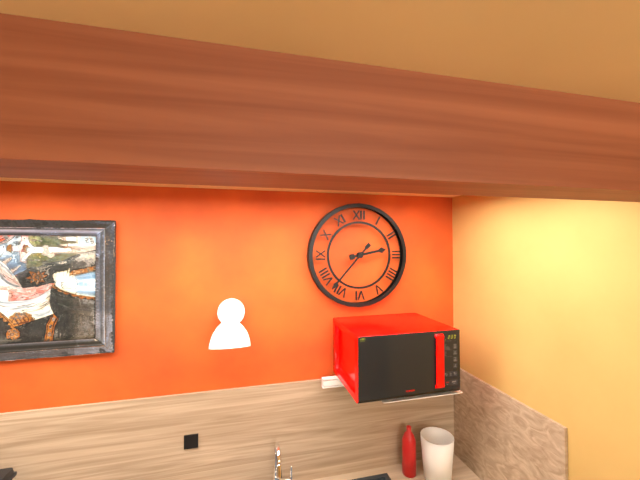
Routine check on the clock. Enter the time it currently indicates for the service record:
2:37
